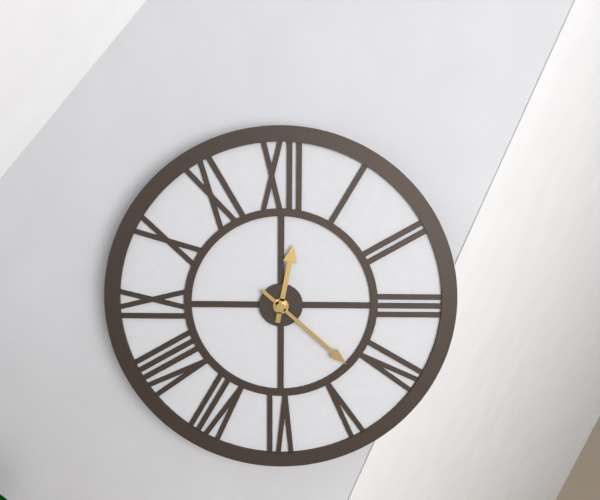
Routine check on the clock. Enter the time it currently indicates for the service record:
12:22
